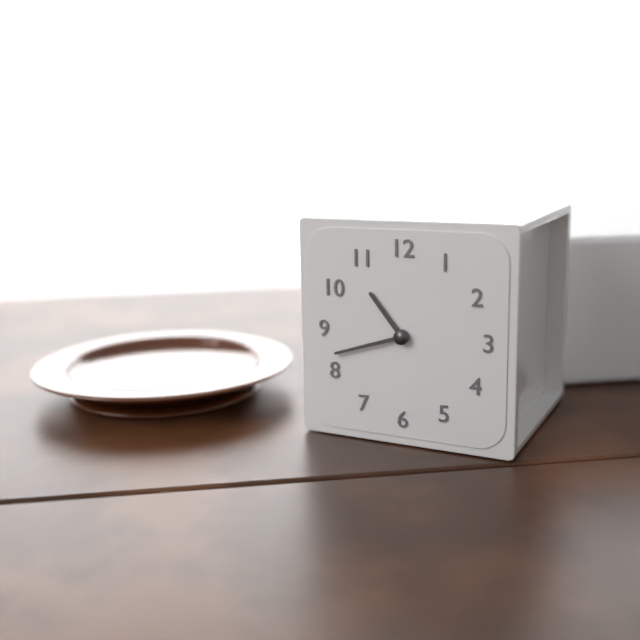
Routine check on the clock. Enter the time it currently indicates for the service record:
10:42
